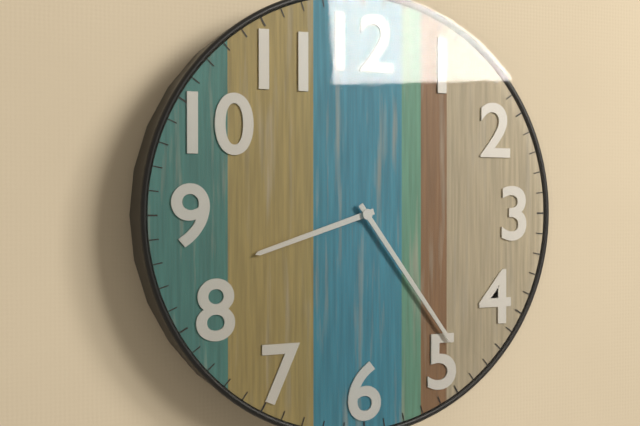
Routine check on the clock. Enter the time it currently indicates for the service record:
8:24
